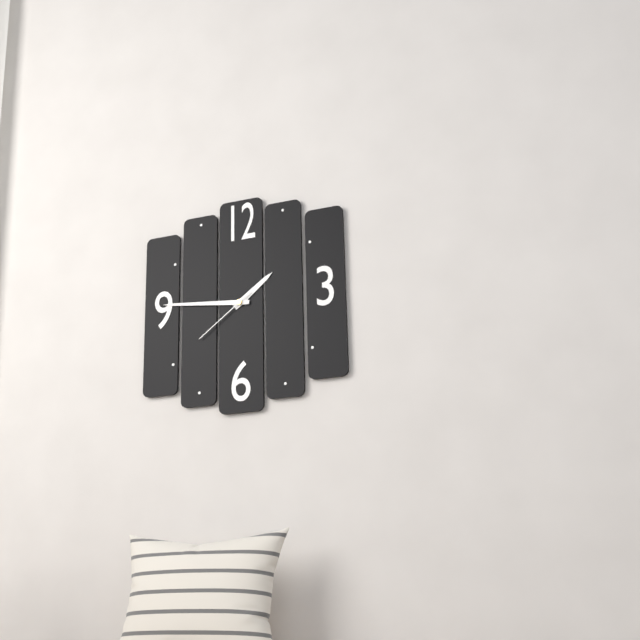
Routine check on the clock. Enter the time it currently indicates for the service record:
1:46:39
